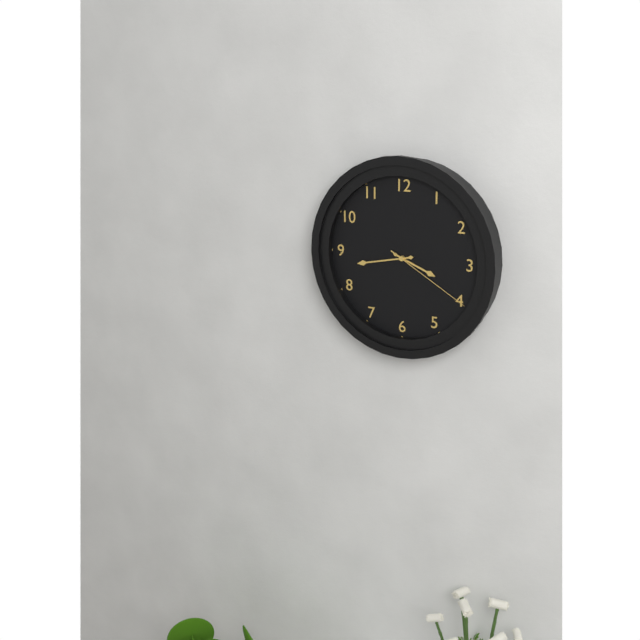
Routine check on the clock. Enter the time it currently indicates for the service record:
3:43:20
